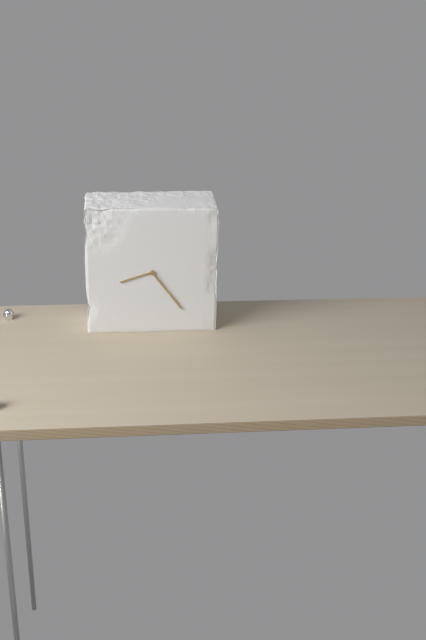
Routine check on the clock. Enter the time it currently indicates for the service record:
8:24
